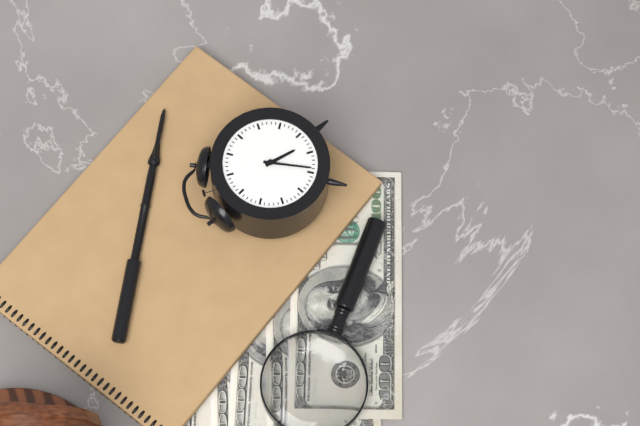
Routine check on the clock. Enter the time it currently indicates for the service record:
5:34
